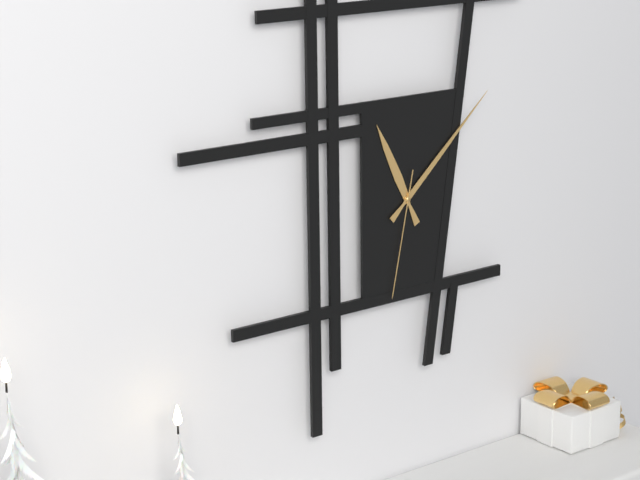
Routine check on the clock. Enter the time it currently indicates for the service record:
11:08:32
